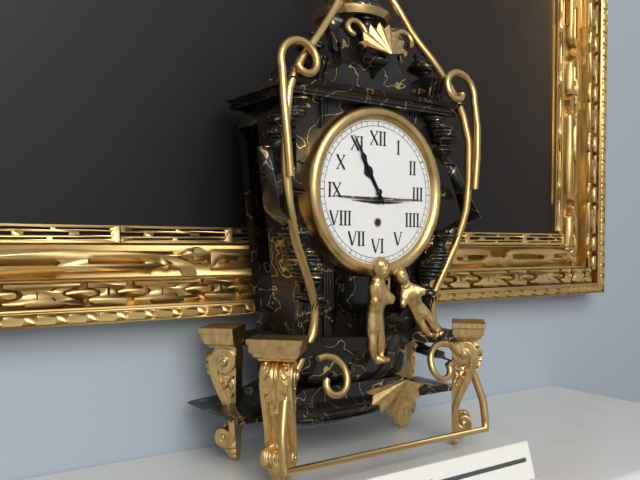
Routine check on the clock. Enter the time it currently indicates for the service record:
10:55
